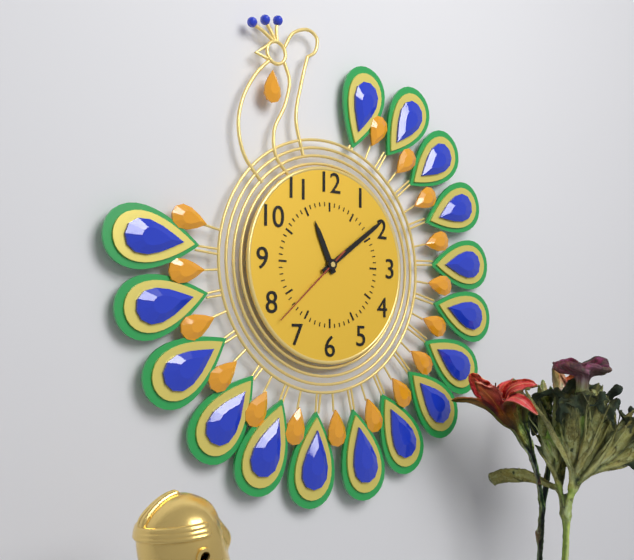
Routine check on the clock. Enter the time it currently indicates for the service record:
11:09:38
